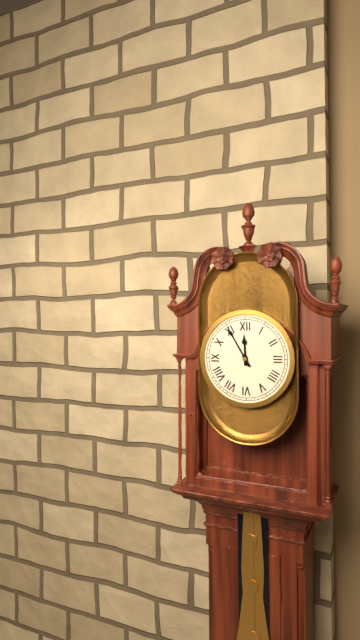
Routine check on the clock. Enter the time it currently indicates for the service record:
11:55
